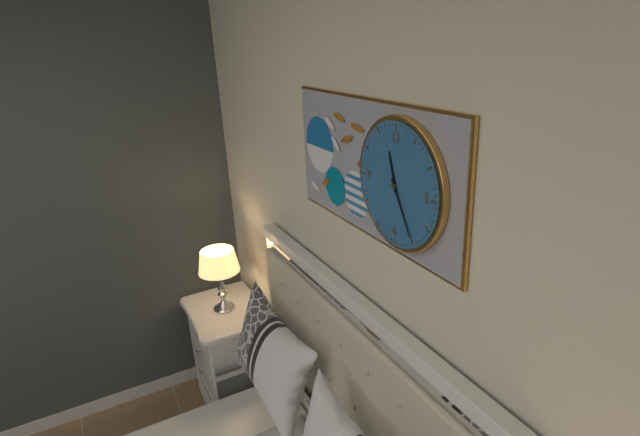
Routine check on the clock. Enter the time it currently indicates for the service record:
11:25
